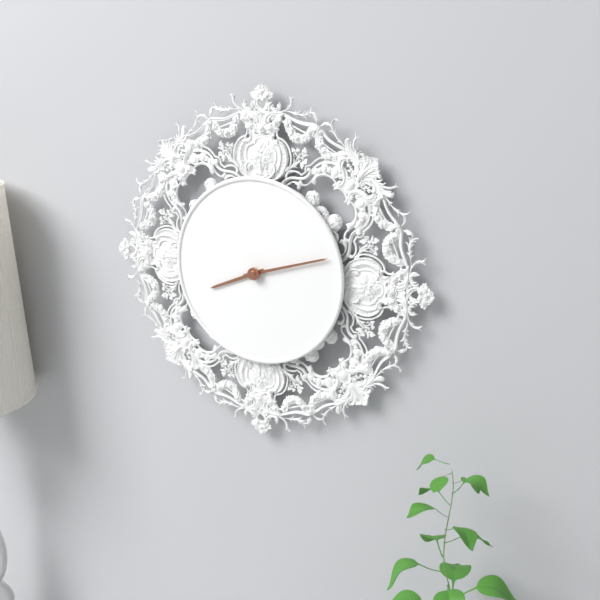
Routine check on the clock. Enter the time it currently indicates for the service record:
8:12
